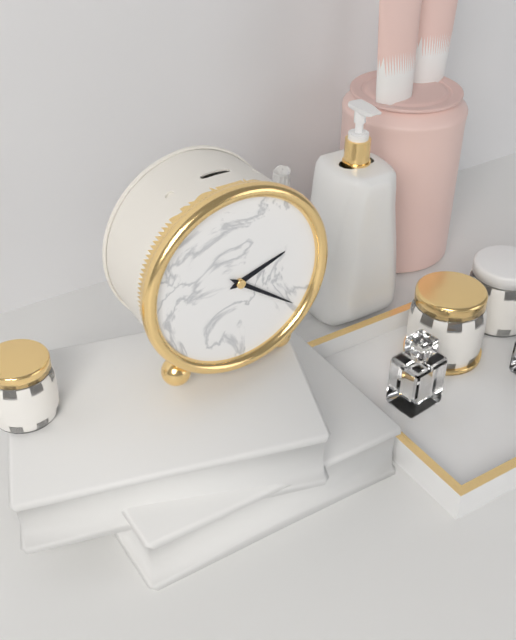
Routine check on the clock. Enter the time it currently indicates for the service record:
2:21
